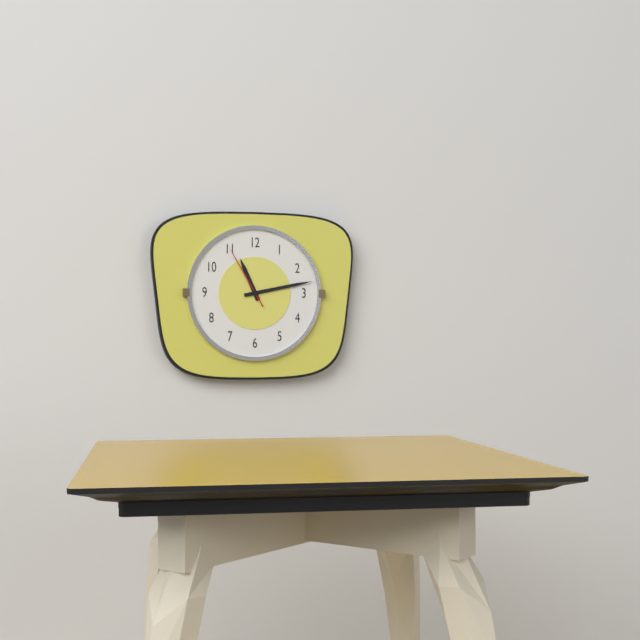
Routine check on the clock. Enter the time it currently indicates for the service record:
11:13:55
